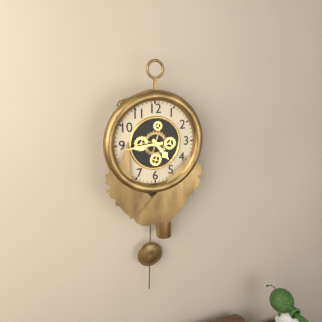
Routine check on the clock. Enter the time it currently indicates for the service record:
4:44
